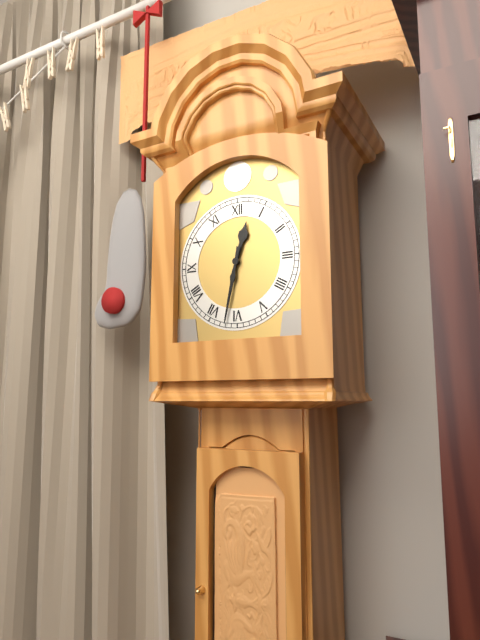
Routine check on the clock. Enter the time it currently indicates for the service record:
12:32
